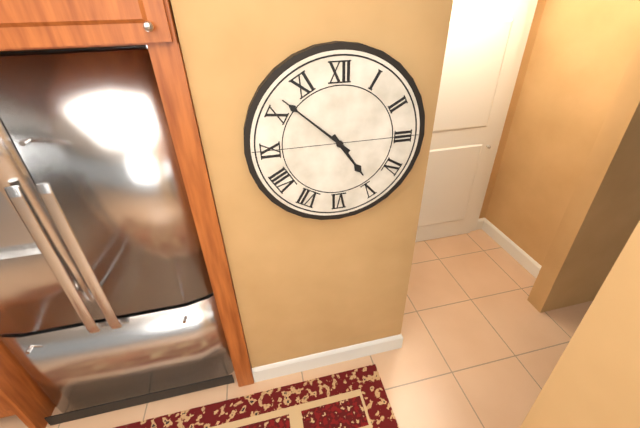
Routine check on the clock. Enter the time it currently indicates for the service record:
4:52
